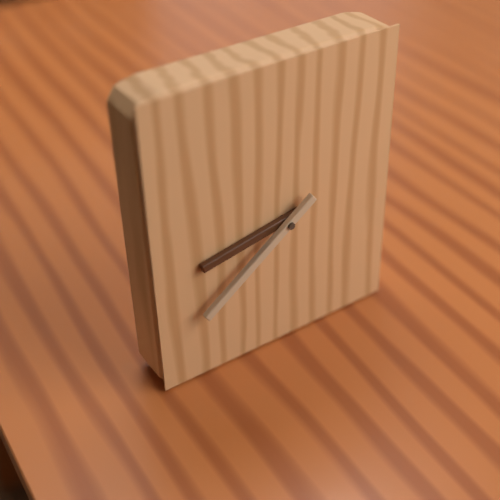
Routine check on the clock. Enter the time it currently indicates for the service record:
8:39
